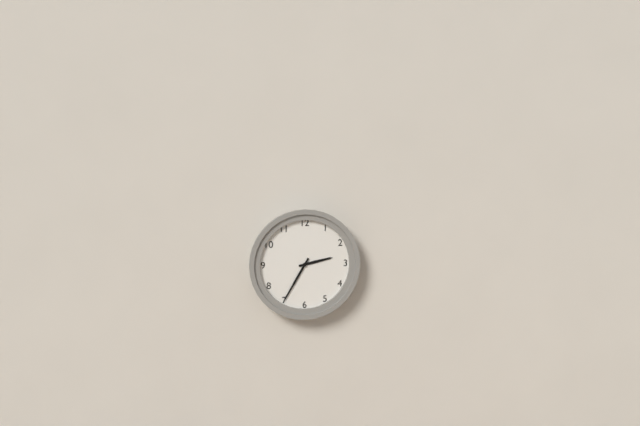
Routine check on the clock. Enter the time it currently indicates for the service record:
2:35
